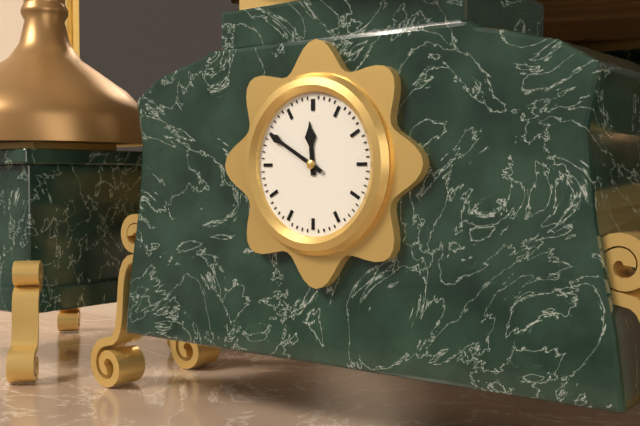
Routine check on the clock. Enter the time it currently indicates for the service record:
11:50
